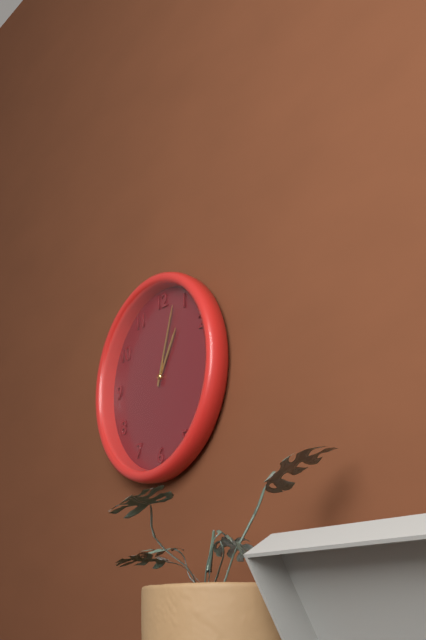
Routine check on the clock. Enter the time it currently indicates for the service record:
1:03
